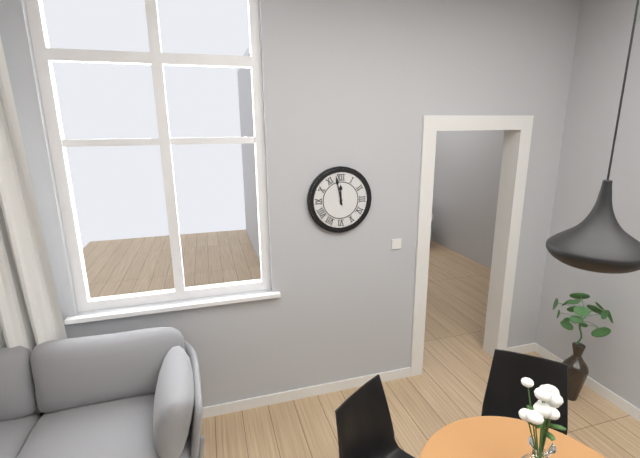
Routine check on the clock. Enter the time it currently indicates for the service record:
11:58
